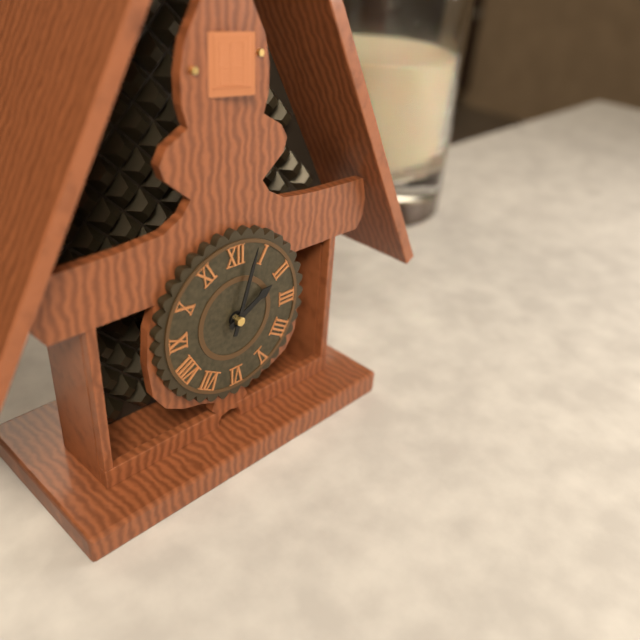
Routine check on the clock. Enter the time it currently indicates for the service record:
2:03
